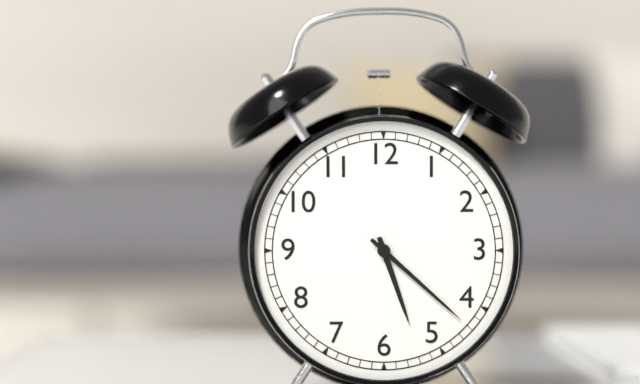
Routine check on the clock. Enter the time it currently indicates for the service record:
5:22
